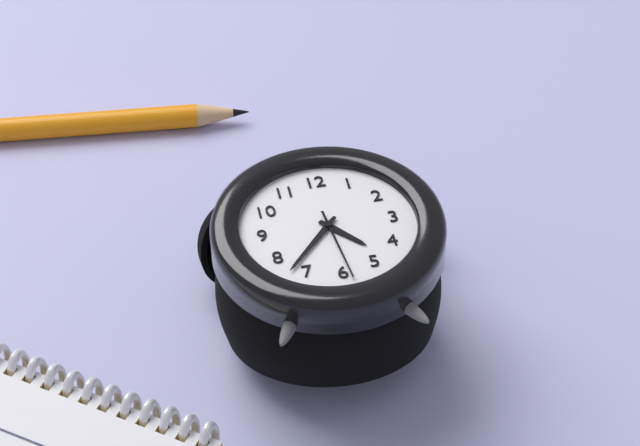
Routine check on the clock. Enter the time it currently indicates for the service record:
4:37:29
